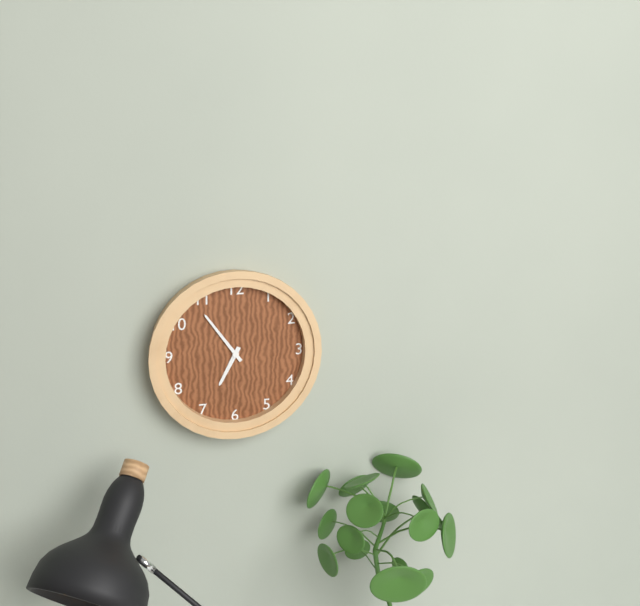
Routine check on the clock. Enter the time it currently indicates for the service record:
6:54
